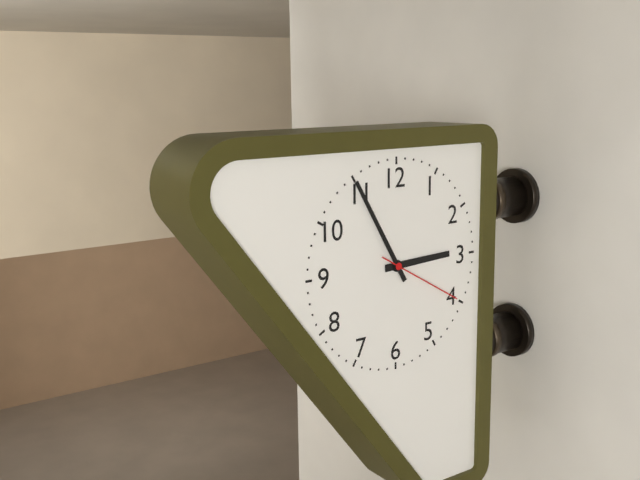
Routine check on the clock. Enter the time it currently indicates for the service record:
2:55:20
